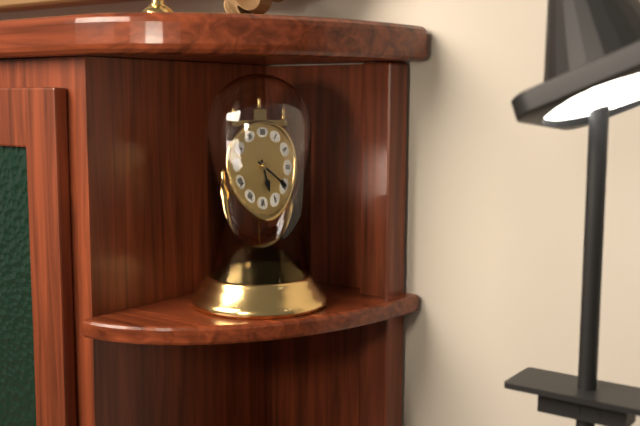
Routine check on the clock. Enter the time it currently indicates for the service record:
5:20
